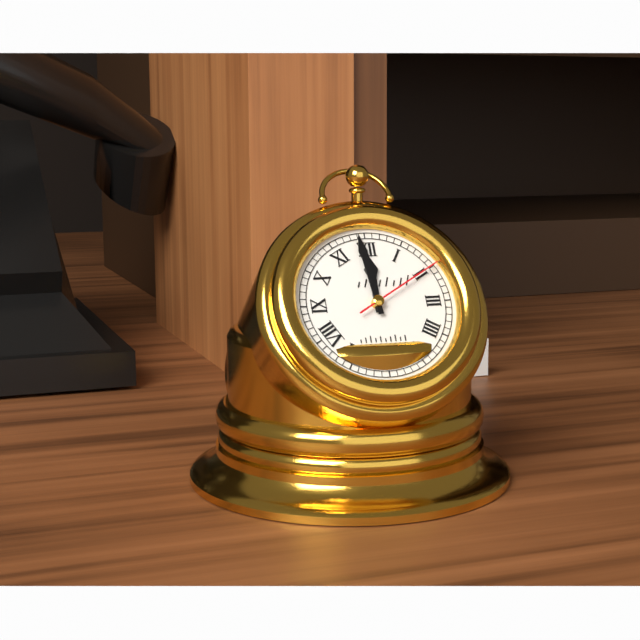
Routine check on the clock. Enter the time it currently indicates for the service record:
11:59:10
